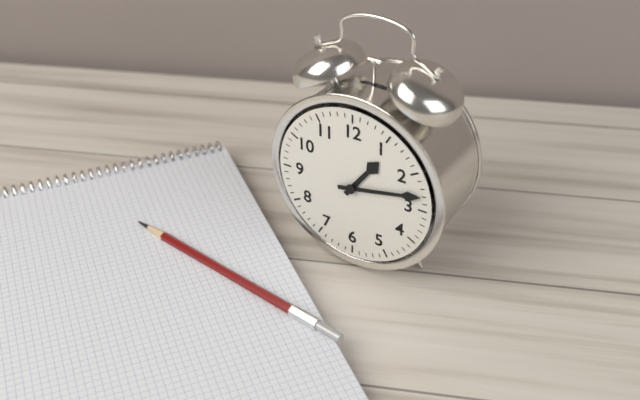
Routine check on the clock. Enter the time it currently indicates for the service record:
1:13
